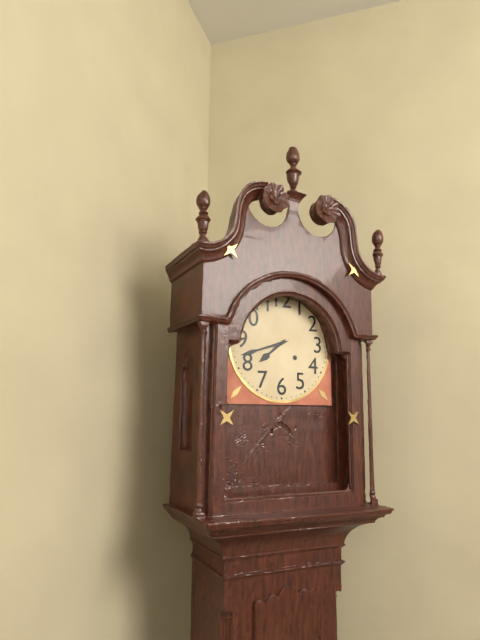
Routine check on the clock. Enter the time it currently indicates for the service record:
7:42
